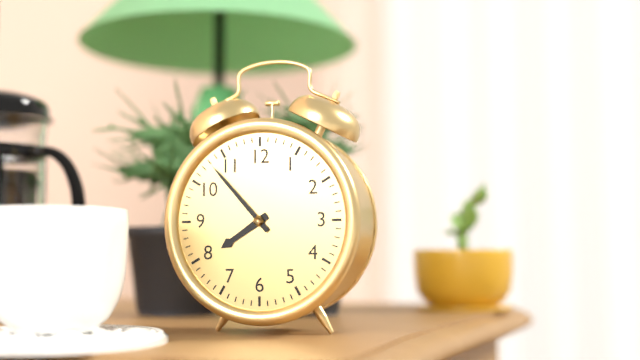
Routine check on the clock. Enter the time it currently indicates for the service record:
7:53
